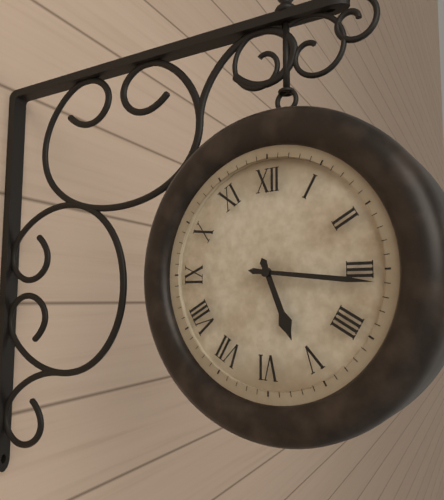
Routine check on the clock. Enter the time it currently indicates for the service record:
5:16
